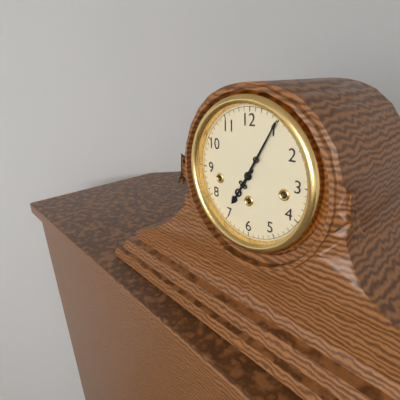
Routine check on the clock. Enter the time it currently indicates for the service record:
7:05
